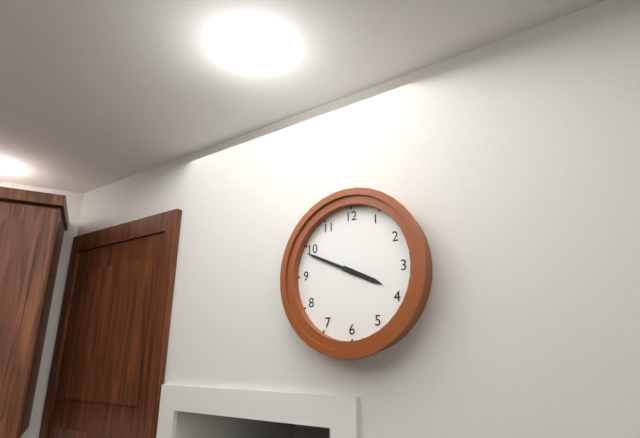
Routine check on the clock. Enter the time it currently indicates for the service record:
3:49
